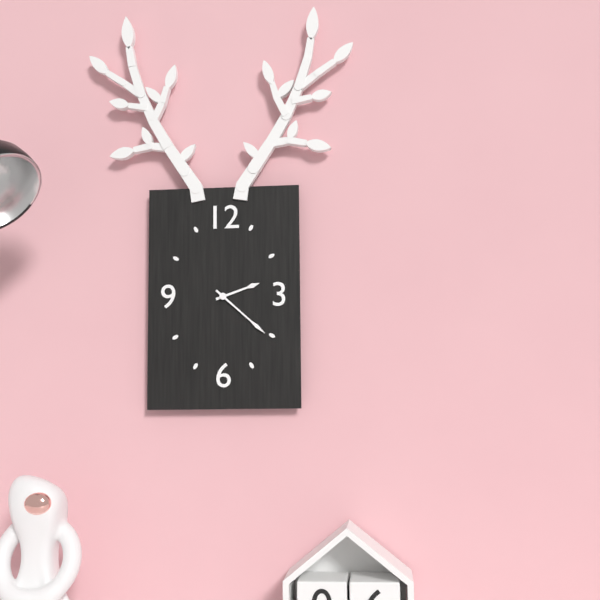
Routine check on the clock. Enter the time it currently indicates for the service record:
2:22
